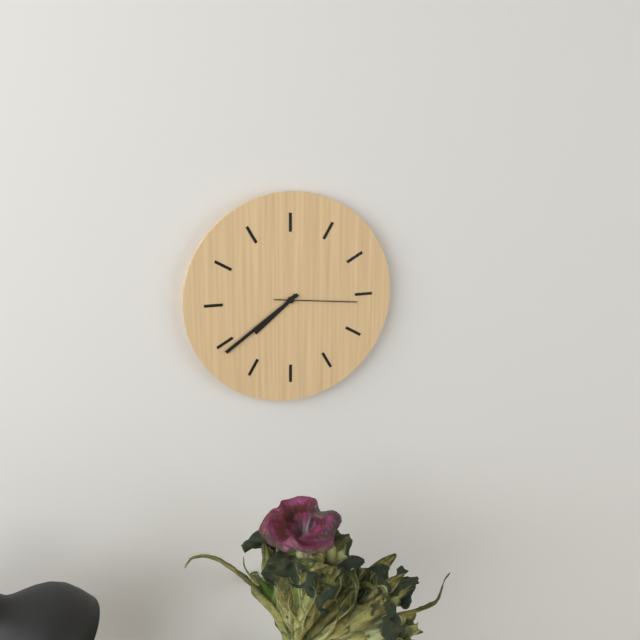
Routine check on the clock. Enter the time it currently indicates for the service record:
7:39:16
